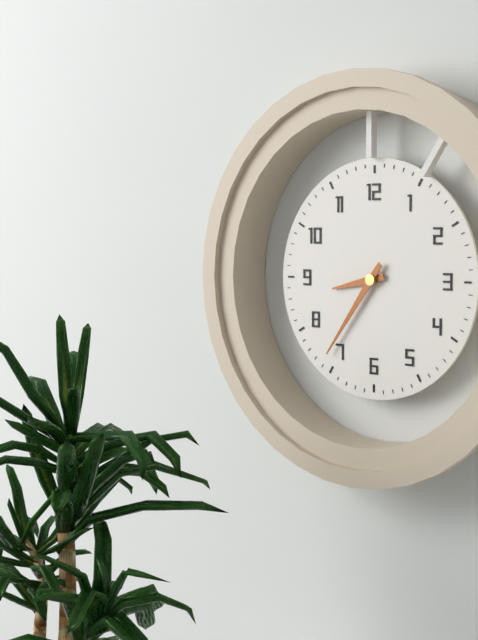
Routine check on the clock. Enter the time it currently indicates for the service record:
8:36
